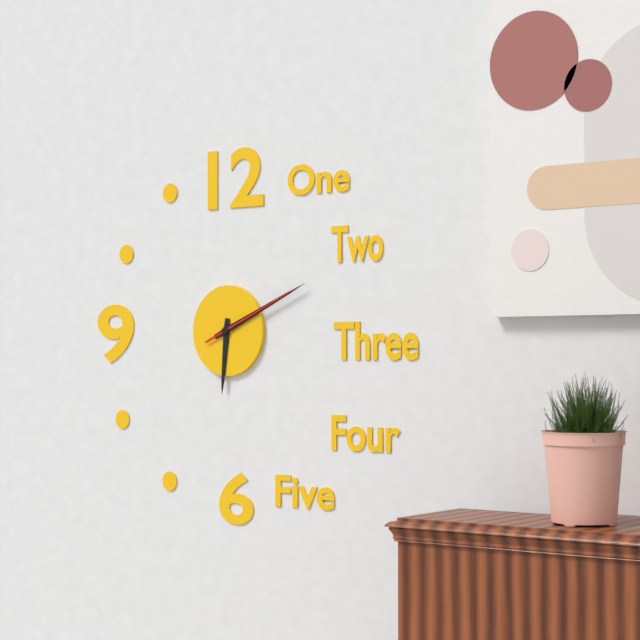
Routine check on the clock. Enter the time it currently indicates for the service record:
6:11:11
